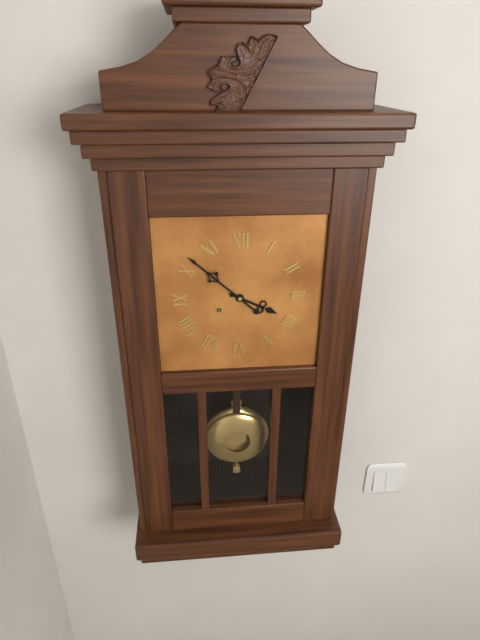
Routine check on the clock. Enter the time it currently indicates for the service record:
3:52
